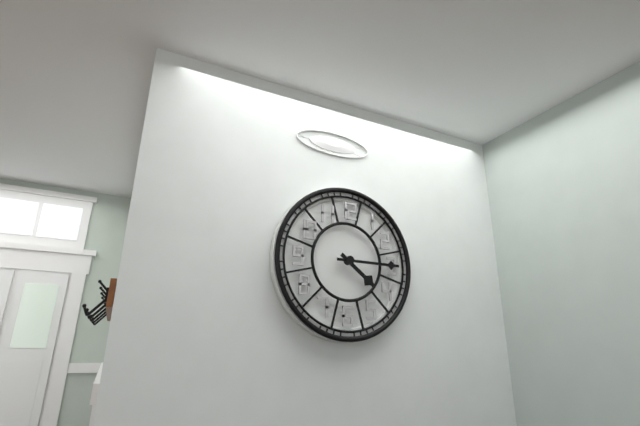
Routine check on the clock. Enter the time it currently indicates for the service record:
4:15
